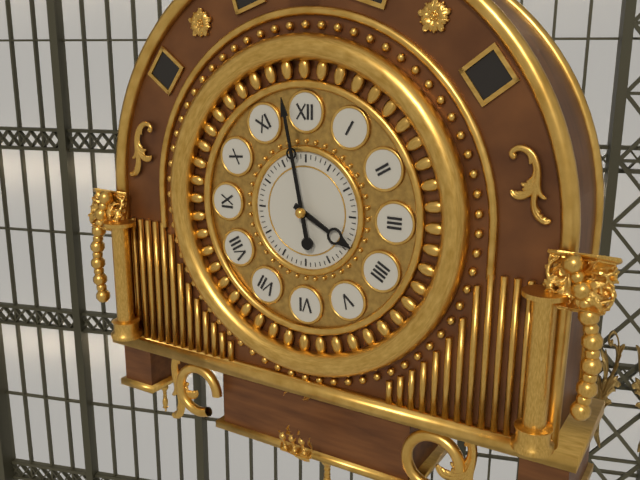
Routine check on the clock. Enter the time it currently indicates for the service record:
3:58
